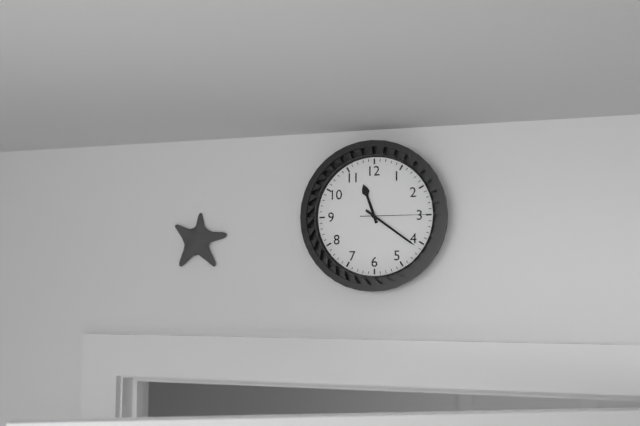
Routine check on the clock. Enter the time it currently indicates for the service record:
11:21:15
